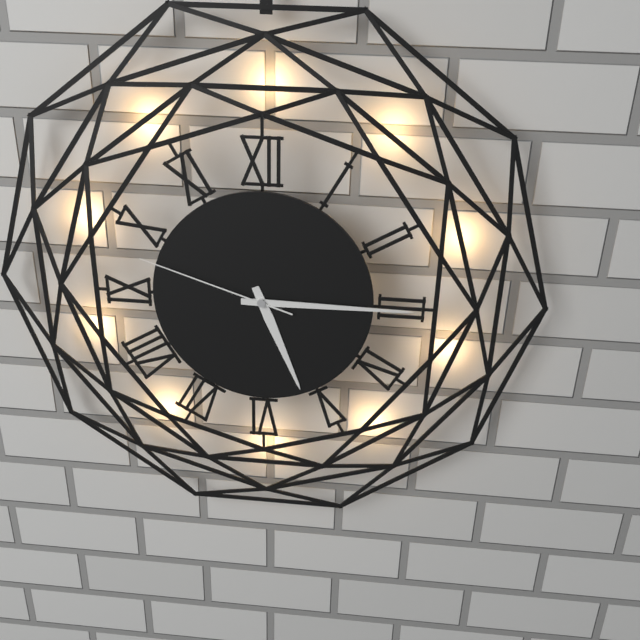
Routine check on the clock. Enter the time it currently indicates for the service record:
5:15:48
